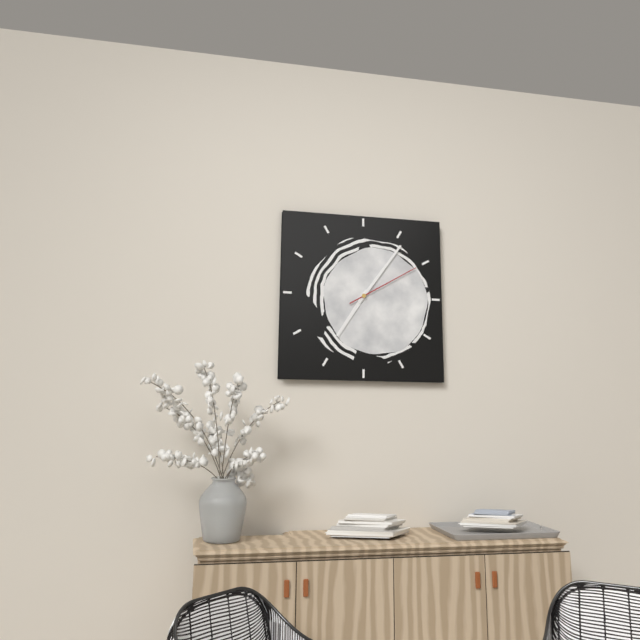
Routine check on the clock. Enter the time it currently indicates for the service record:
7:06:10
